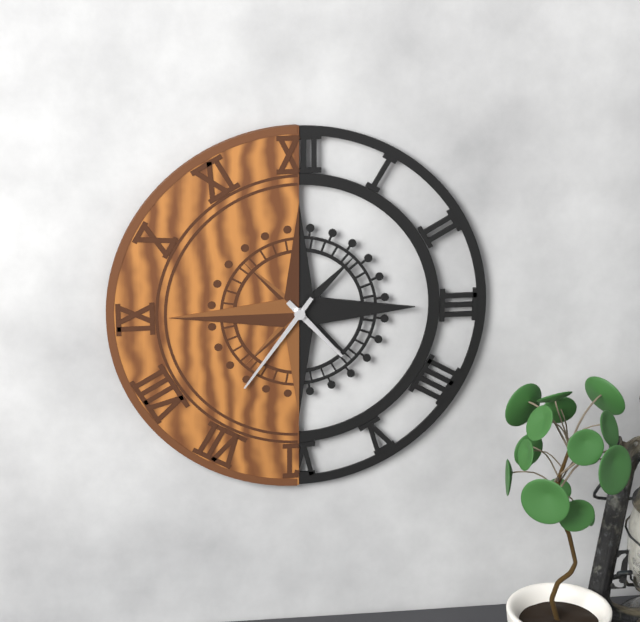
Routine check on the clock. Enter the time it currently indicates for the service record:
4:36
